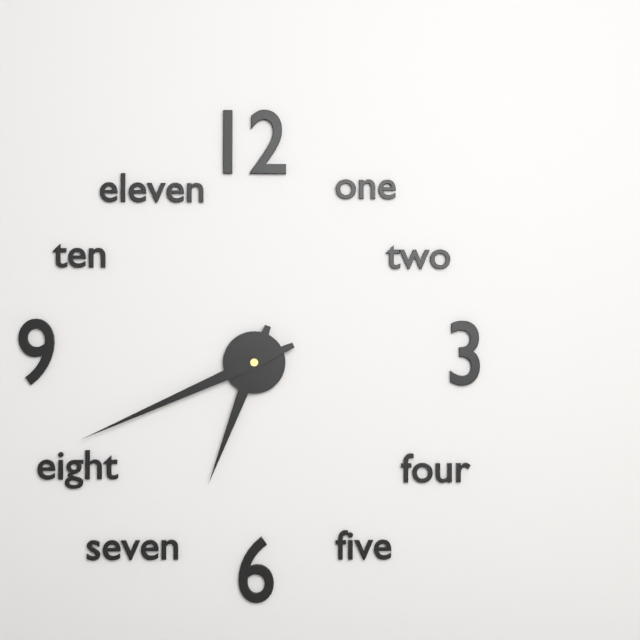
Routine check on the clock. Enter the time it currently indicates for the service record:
6:41
